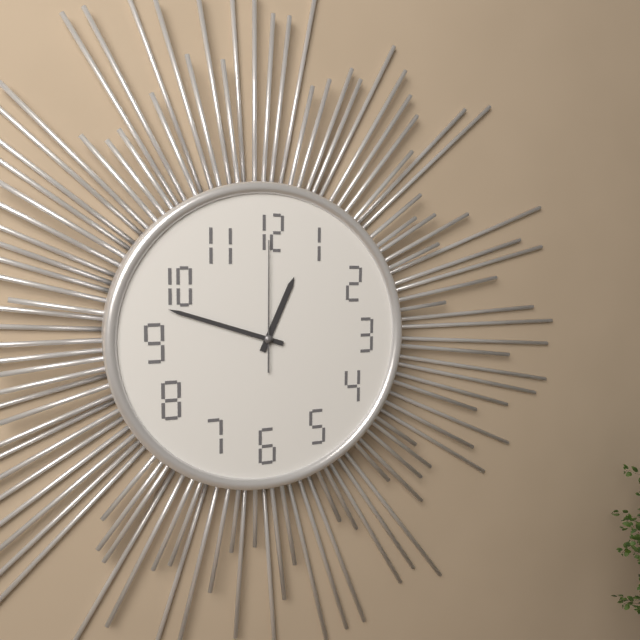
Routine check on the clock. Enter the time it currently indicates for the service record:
12:48:00
